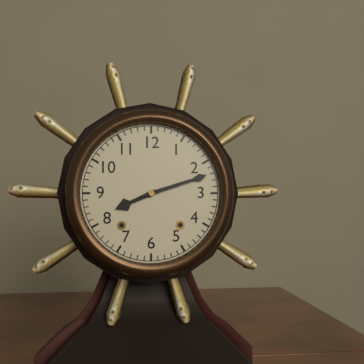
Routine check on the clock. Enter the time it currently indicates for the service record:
8:12
